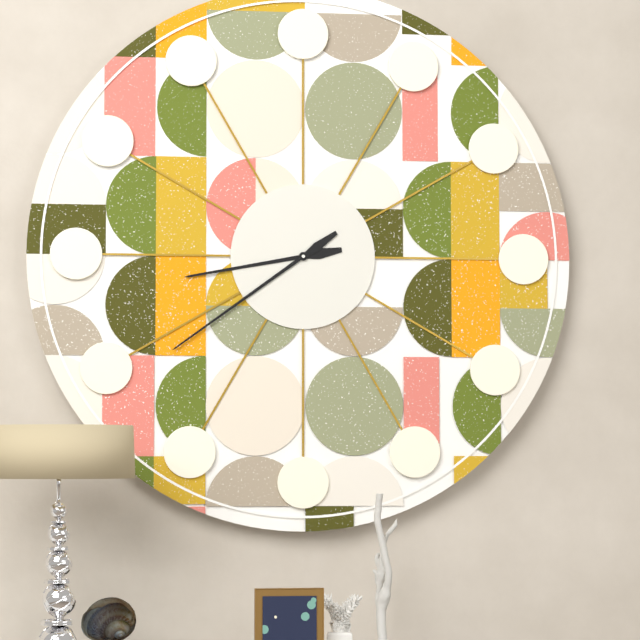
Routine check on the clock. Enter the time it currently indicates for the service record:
8:39
